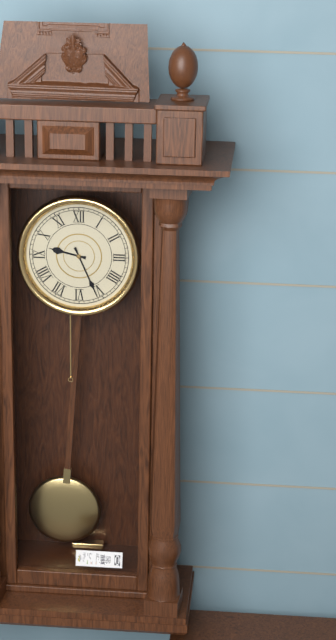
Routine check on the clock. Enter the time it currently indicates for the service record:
9:26
